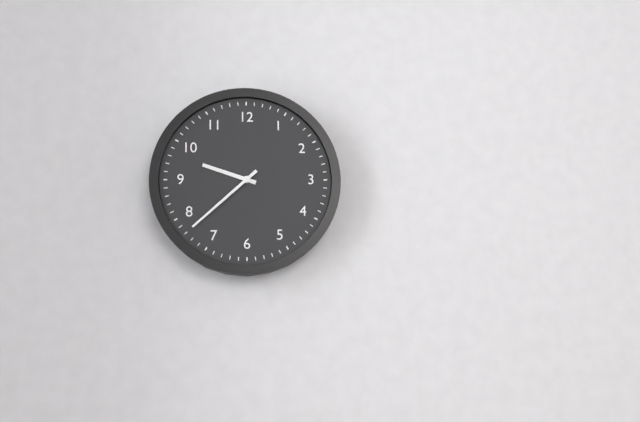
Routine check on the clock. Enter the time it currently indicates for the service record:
9:38
